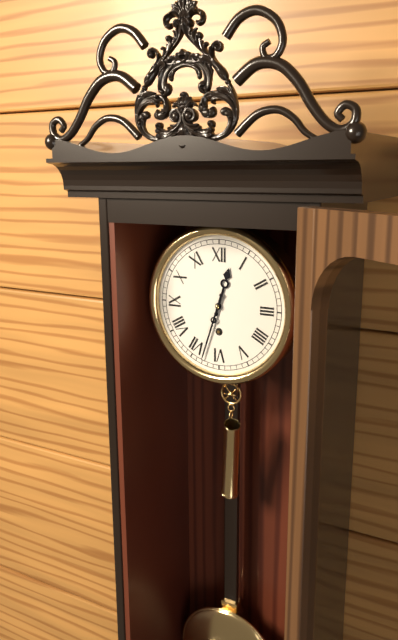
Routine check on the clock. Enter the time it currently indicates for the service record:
12:33
